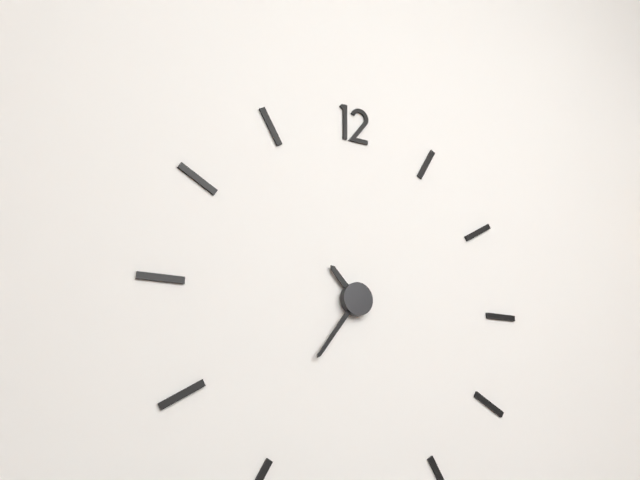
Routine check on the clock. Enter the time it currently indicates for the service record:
10:36
